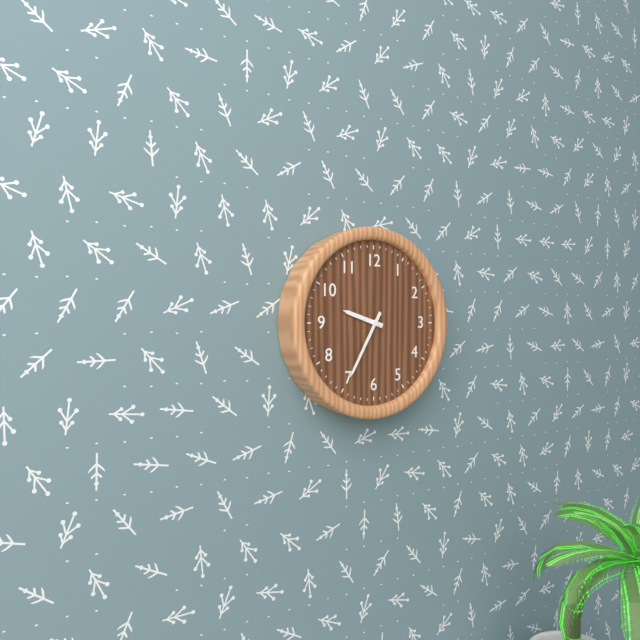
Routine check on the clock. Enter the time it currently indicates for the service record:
9:35
